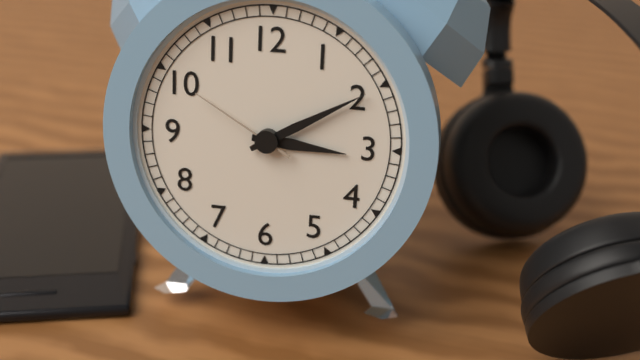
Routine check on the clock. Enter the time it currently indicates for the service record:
3:10:50
